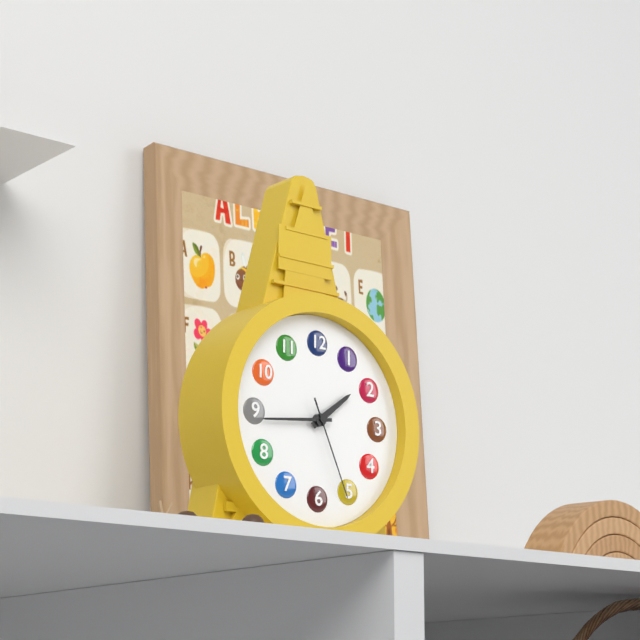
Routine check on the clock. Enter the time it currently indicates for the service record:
1:44:26
